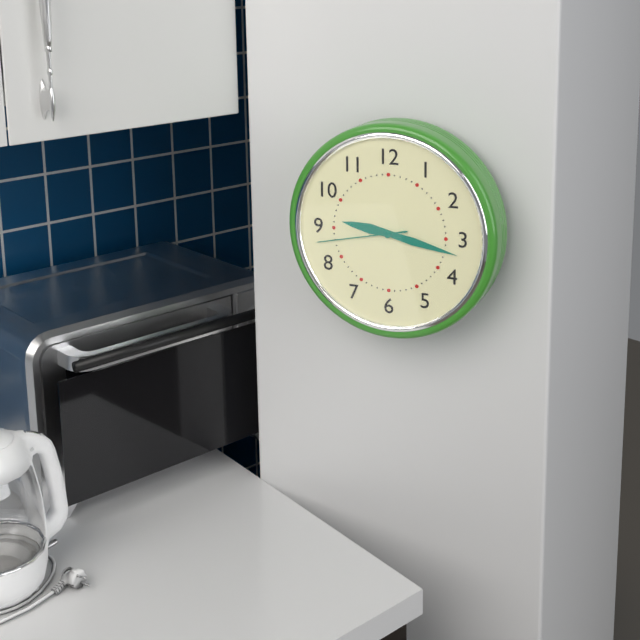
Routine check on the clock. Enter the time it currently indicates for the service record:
9:17:43
